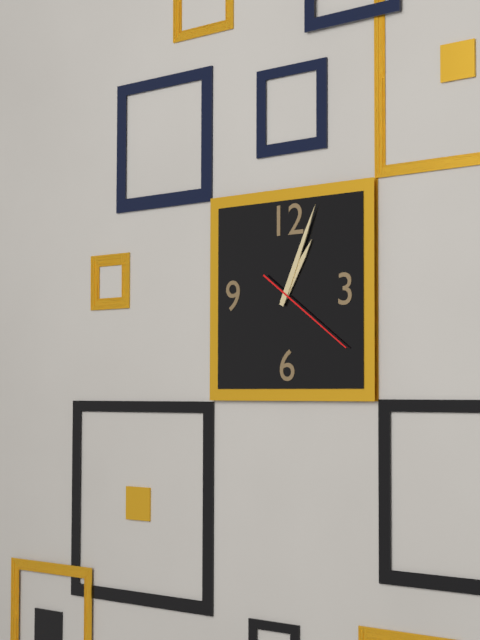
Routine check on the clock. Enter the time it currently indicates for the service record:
1:04:21
